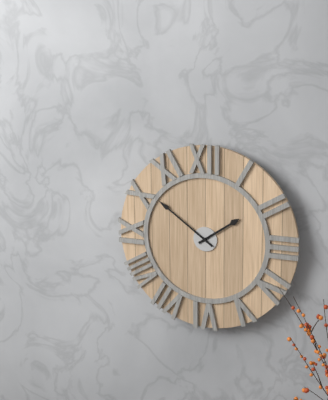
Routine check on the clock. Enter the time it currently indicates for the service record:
1:51
